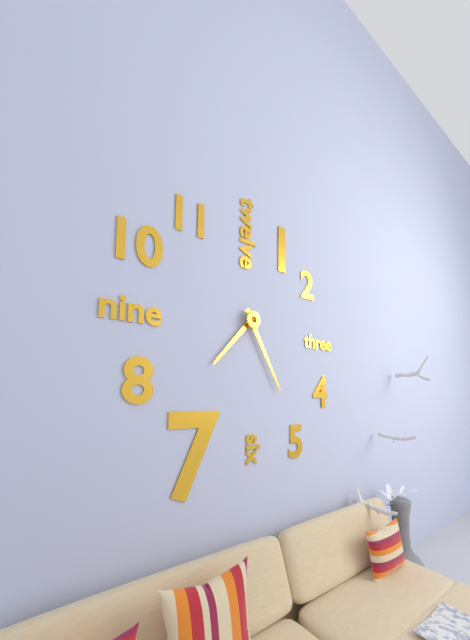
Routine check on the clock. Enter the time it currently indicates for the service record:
7:25
